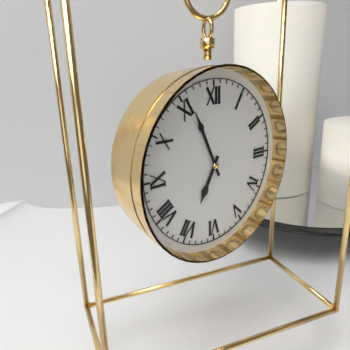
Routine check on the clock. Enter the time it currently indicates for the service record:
6:56
